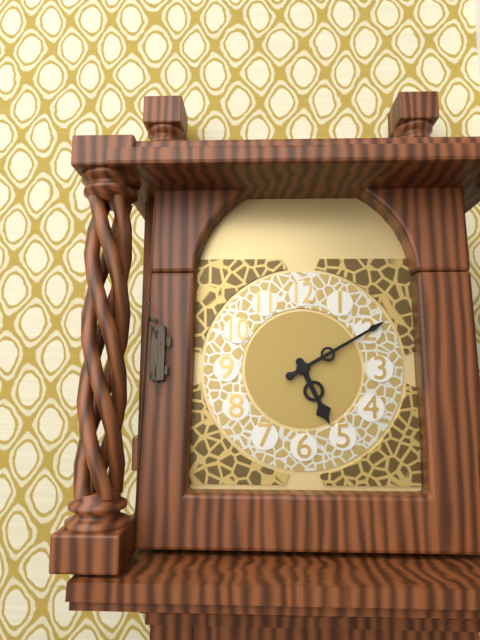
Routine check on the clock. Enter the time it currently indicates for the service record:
5:10
